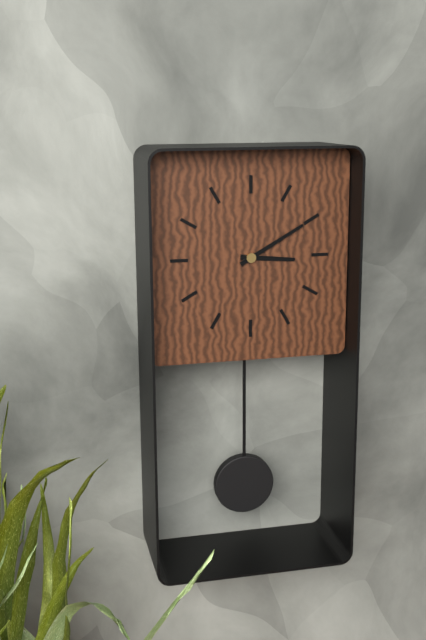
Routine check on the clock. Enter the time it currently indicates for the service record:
3:10
